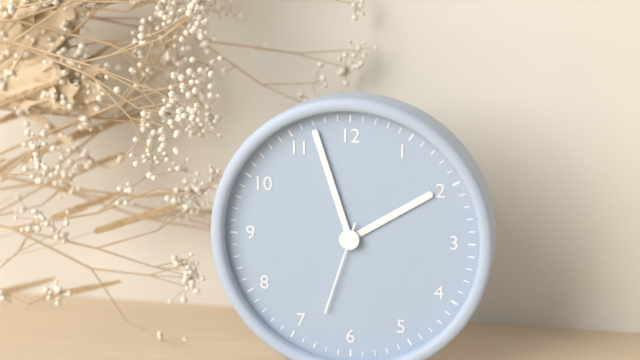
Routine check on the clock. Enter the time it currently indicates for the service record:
1:57:33
